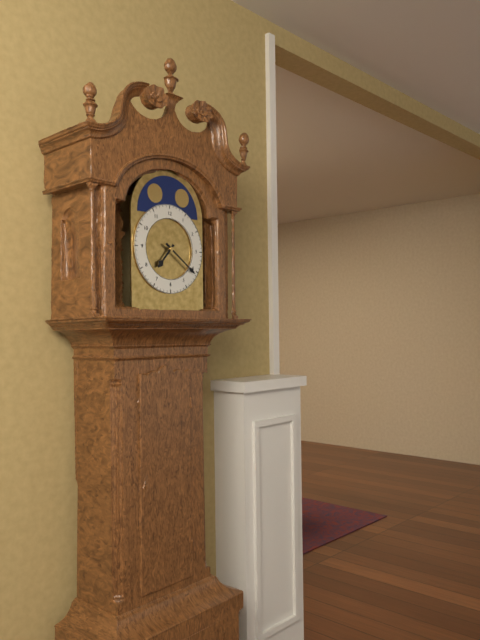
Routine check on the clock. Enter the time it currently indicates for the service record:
7:21
